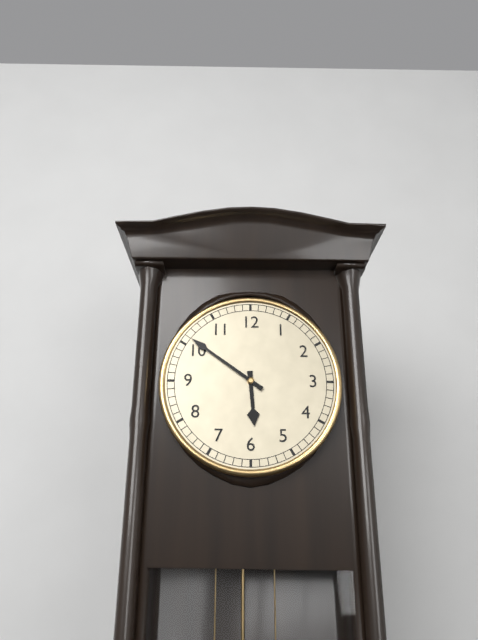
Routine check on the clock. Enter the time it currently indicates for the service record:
5:51
